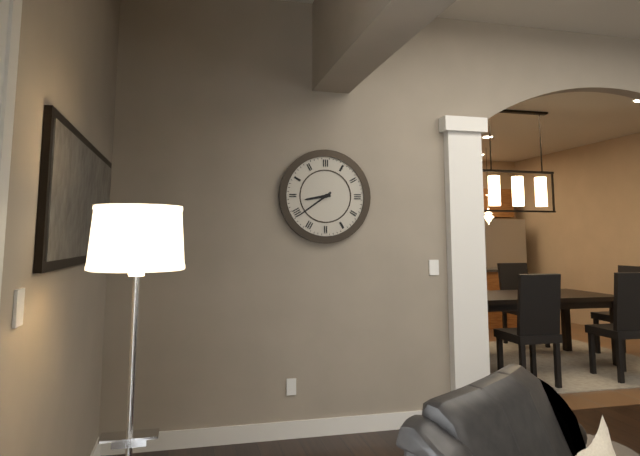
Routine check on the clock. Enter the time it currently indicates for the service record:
8:39
